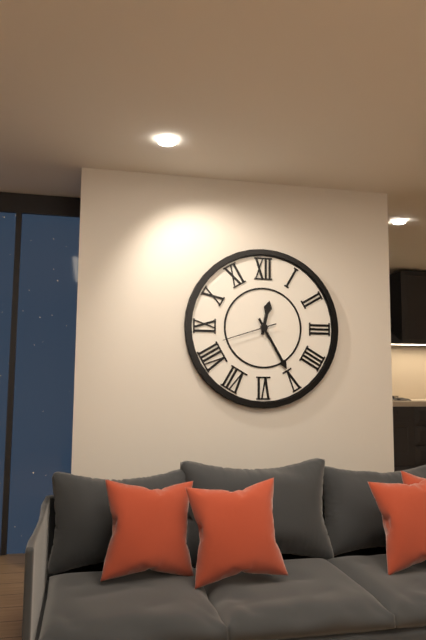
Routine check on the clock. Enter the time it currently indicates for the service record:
12:25:42
